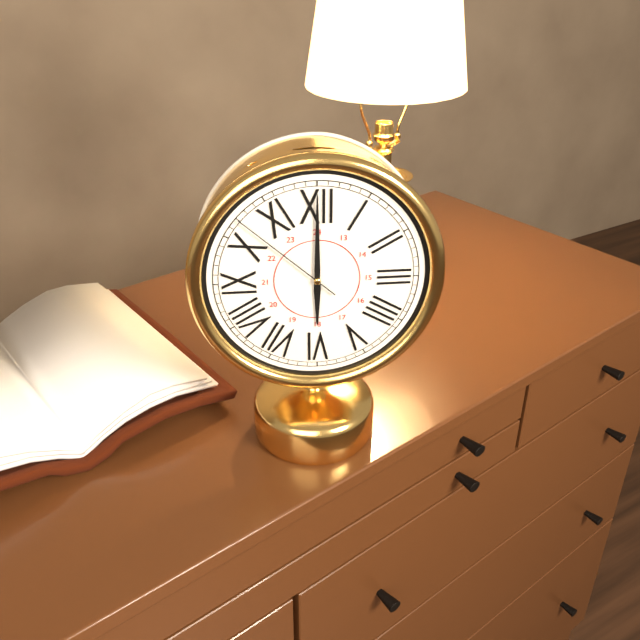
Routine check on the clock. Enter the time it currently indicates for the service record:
6:00:52
